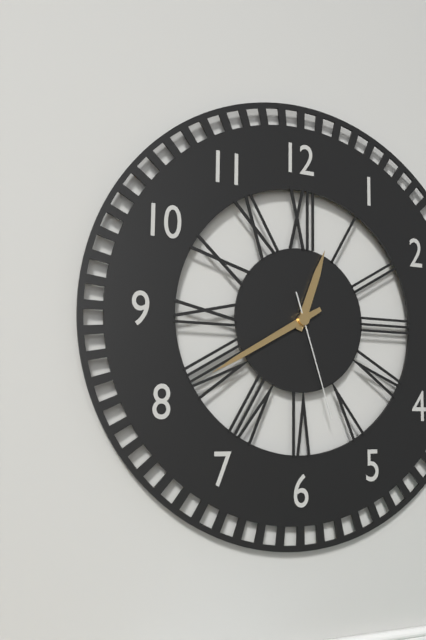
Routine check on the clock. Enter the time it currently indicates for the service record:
12:40:27
